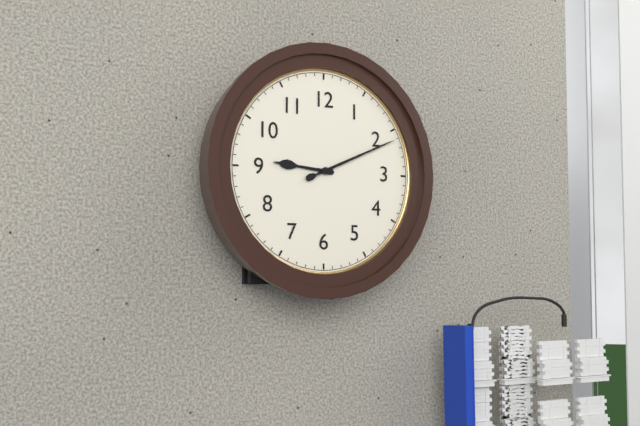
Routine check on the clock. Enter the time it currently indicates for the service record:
9:11
